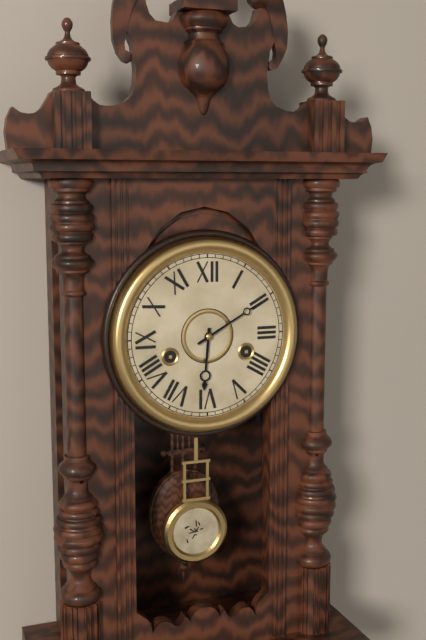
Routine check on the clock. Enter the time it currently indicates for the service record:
6:10
